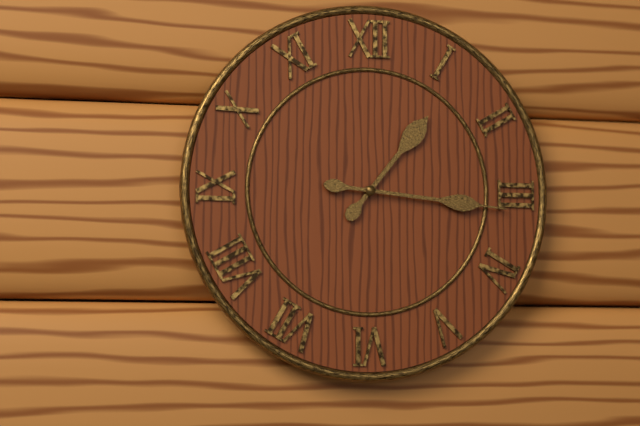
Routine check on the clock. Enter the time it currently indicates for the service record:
1:16
